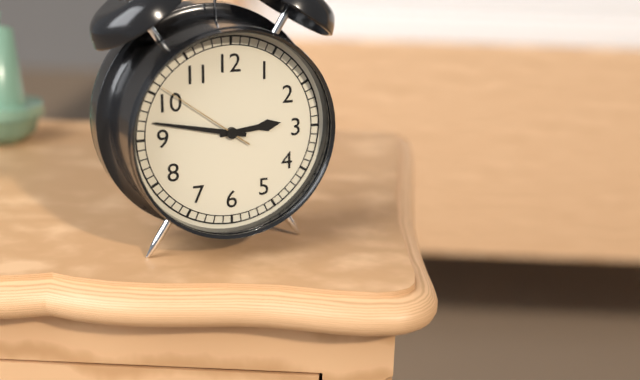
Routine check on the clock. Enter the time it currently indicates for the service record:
2:47:51
